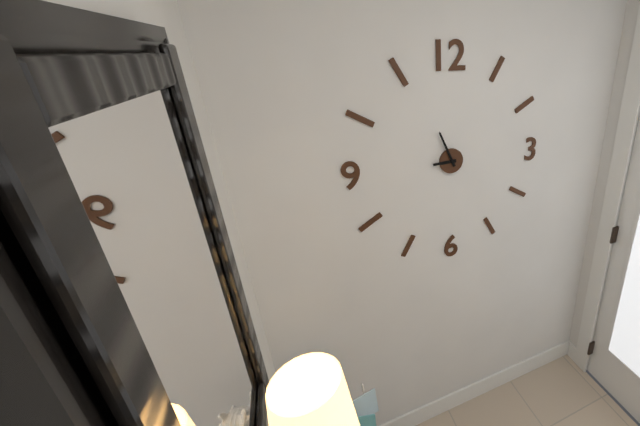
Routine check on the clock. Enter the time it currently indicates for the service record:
8:56
